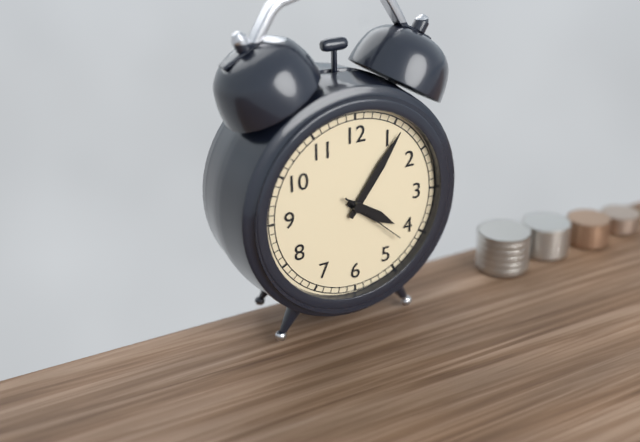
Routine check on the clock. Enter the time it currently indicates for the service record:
4:06:22
